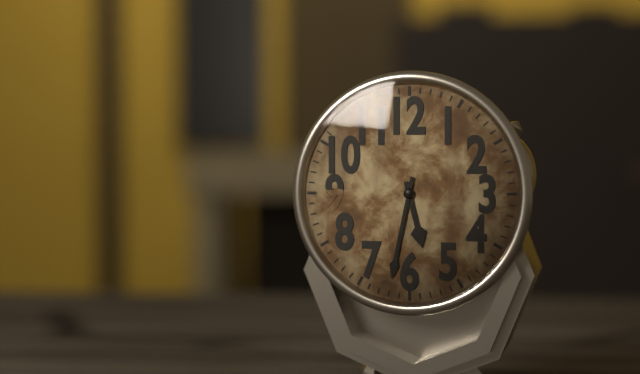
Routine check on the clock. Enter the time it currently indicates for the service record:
5:32
